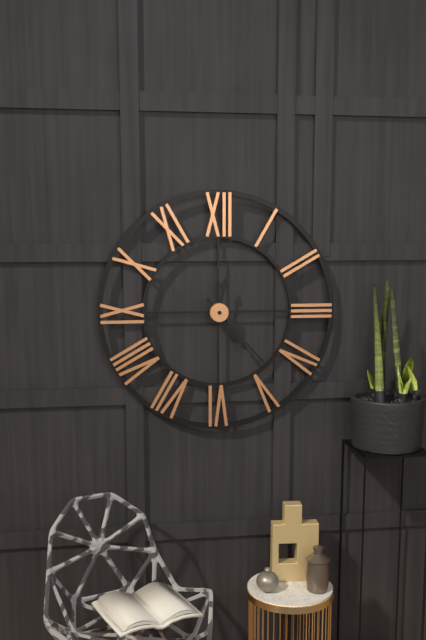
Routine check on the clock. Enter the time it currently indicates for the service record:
12:24:23
